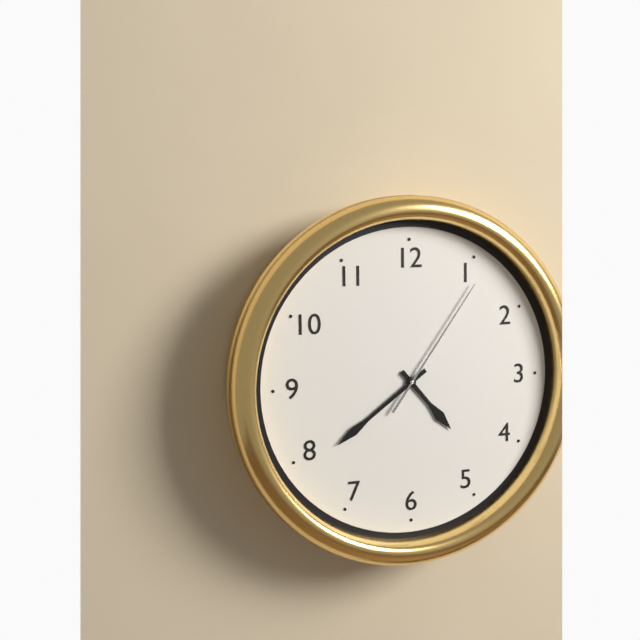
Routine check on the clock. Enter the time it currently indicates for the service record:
4:39:06
